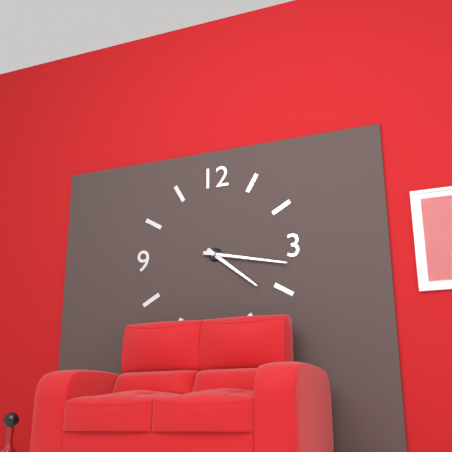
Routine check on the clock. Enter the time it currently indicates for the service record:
4:17
